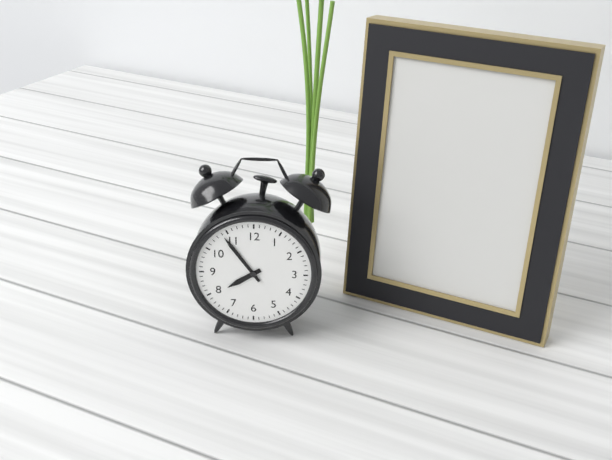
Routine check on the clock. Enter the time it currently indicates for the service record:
7:54
